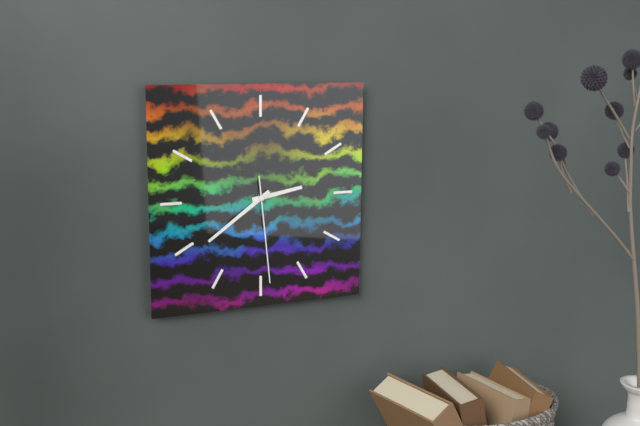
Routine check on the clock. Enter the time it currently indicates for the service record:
2:39:29
